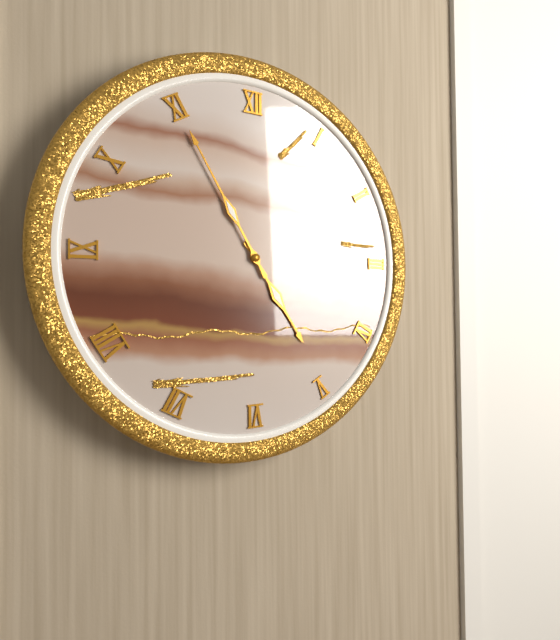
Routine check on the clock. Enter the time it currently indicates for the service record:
4:55
